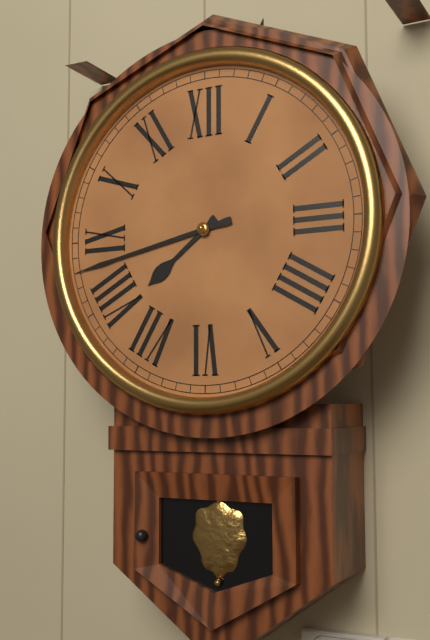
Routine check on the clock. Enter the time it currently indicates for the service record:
7:43
